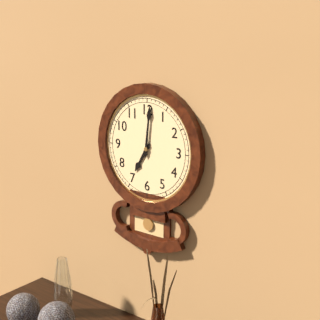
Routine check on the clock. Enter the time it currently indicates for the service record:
7:01
